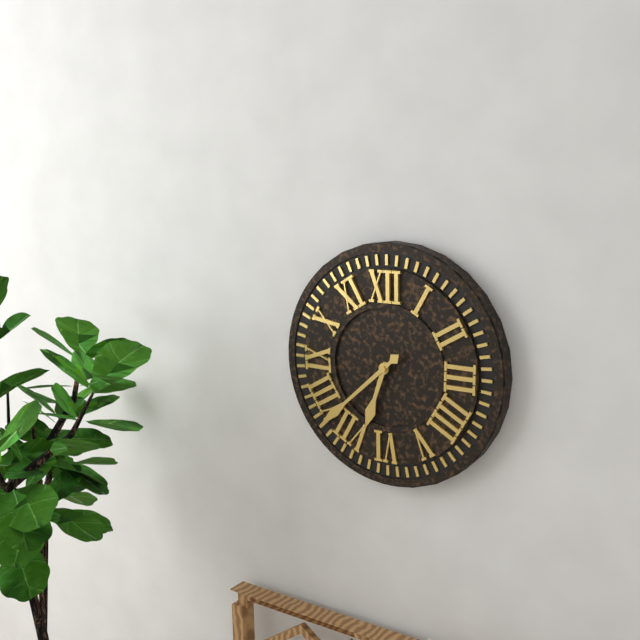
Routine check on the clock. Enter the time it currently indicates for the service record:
6:38
